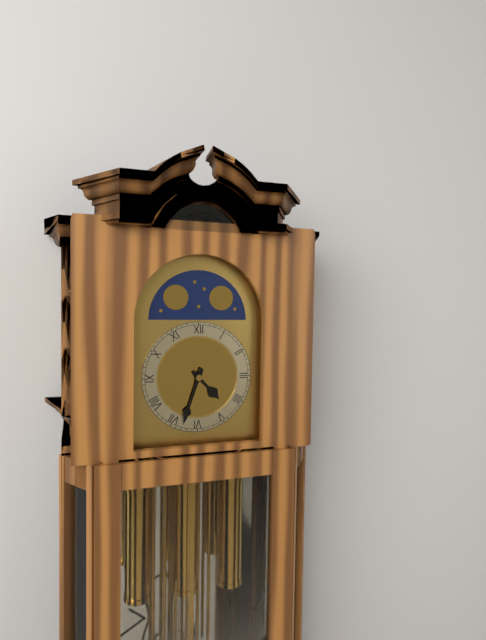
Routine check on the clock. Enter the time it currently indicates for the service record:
4:33
